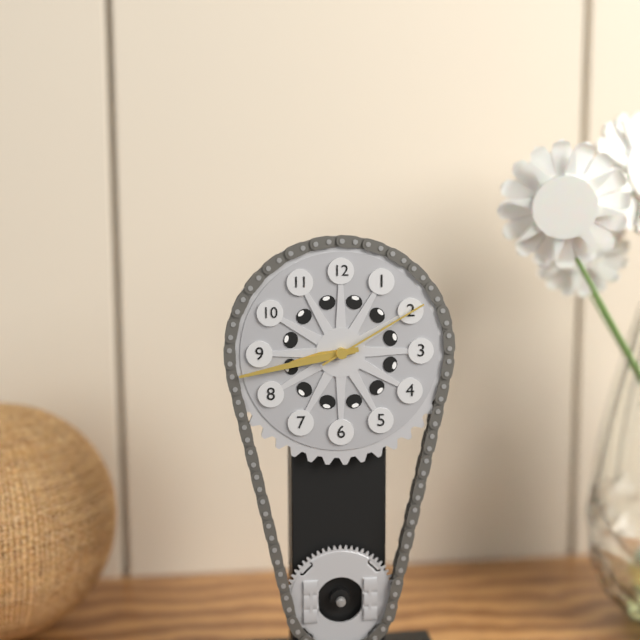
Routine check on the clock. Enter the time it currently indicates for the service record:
8:43:10
